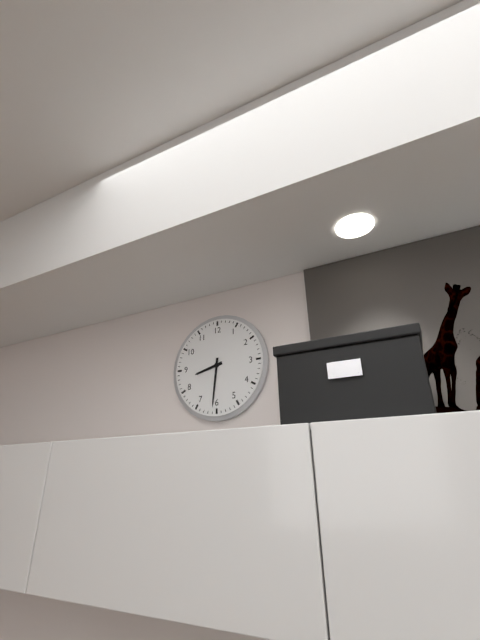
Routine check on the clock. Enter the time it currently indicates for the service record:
8:31
